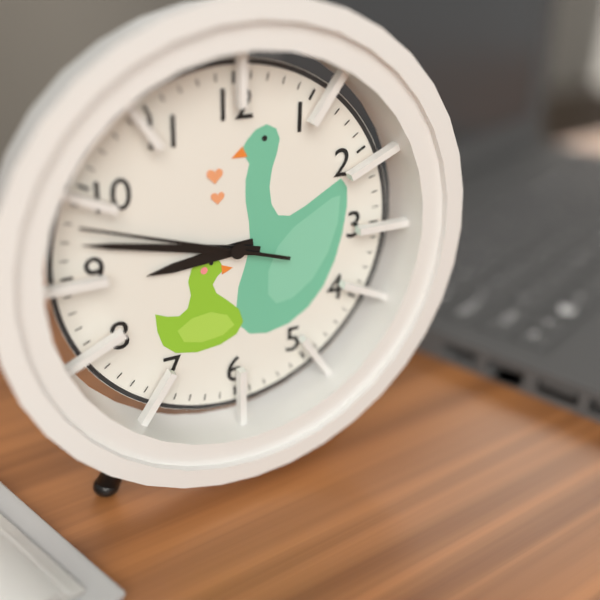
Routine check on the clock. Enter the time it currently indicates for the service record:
8:47:48
